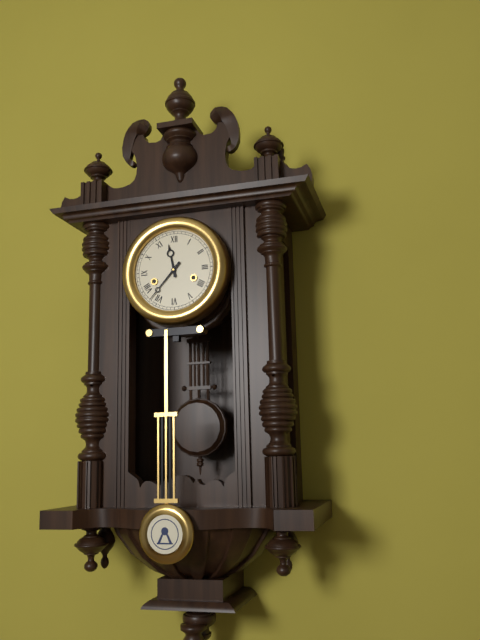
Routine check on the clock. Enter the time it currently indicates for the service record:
11:37
